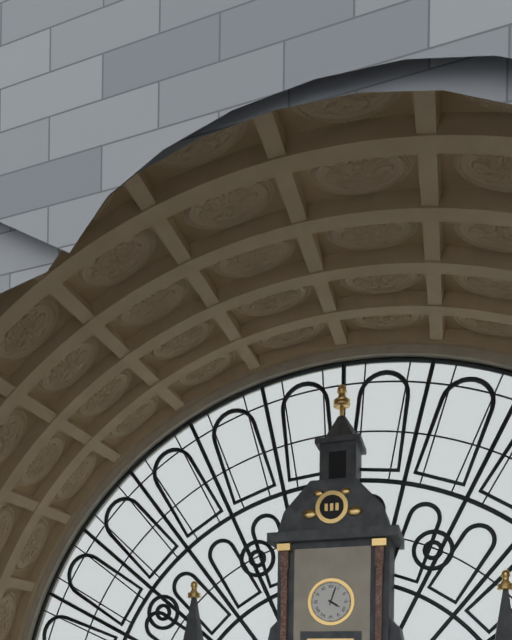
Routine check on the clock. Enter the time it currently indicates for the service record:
4:03
